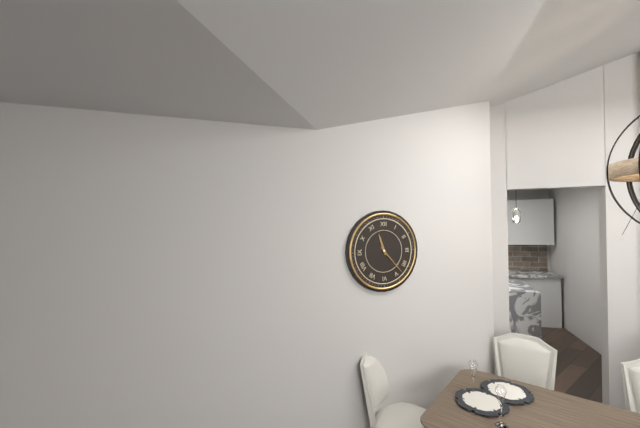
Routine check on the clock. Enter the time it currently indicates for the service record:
11:23
